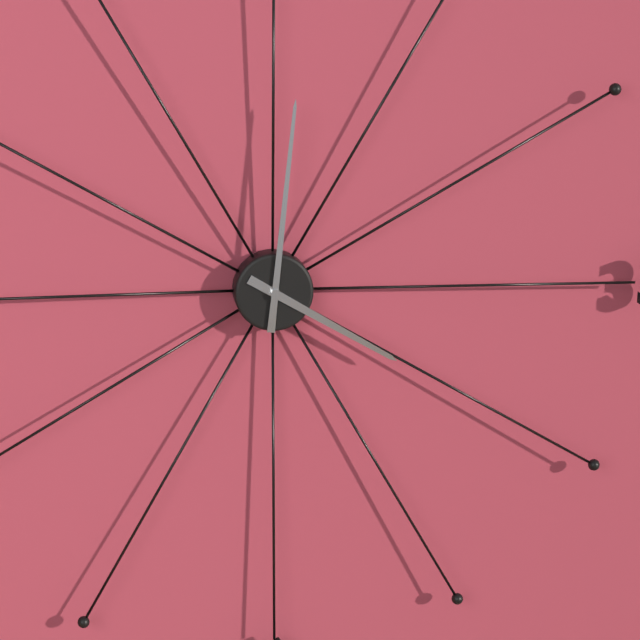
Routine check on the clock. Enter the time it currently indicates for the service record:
4:01
